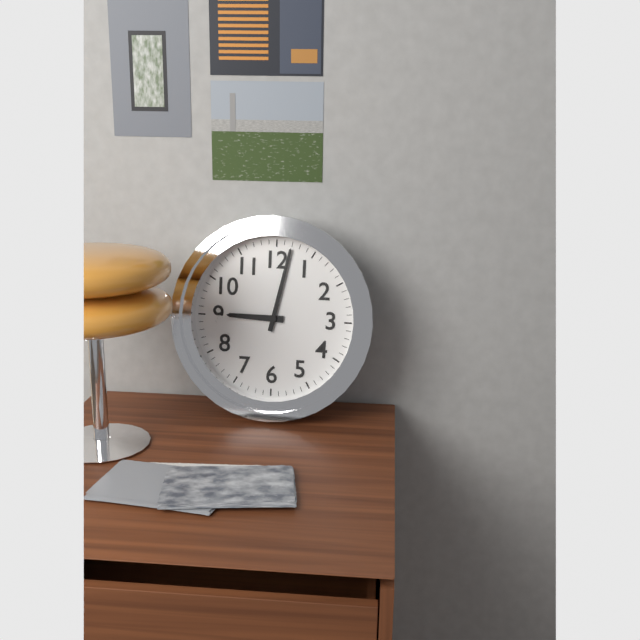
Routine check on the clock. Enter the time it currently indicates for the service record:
9:02
